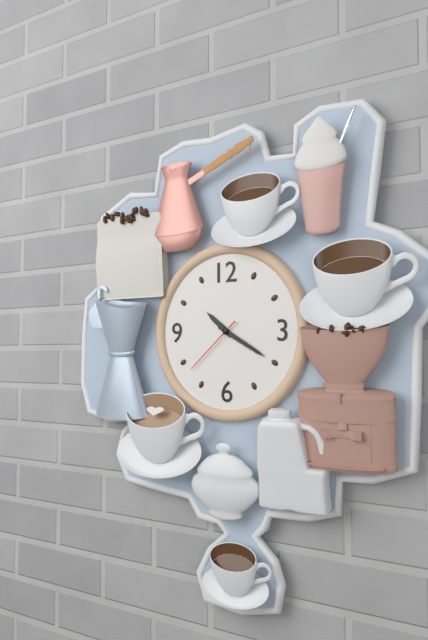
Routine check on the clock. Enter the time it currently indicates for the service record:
10:20:38
